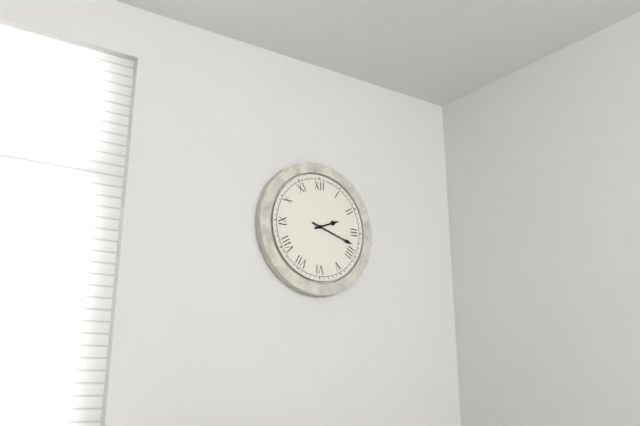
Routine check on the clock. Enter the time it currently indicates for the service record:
2:18
